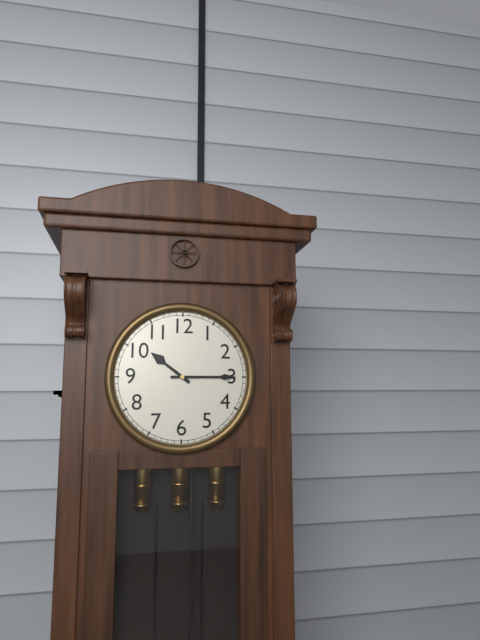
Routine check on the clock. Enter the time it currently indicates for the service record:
10:15
